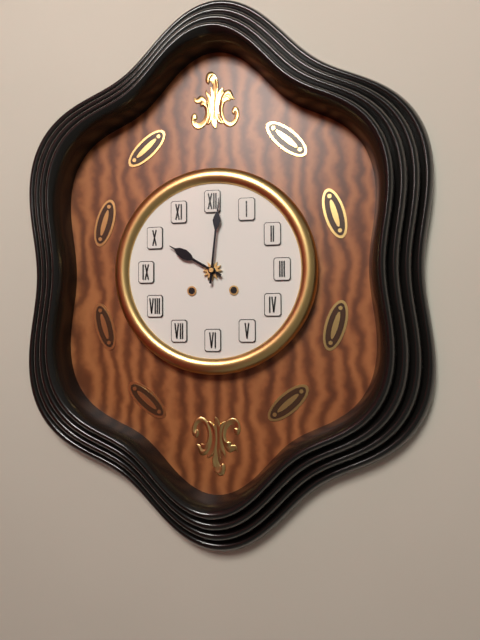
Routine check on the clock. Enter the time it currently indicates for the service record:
10:01
